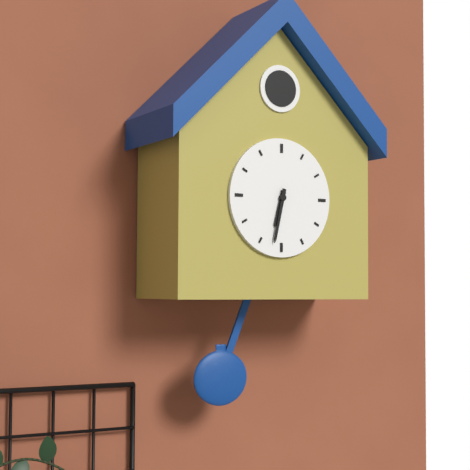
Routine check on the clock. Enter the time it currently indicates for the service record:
6:32
